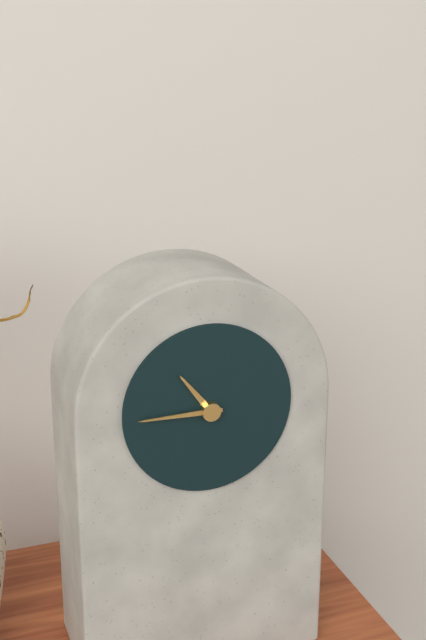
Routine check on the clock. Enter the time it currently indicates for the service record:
10:45
